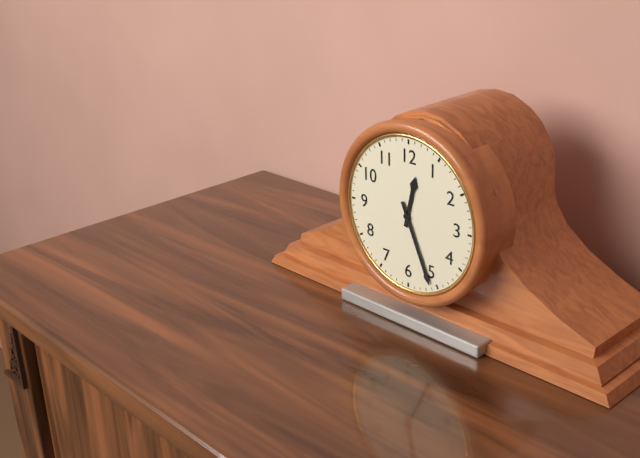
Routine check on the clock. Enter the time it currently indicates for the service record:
12:26
